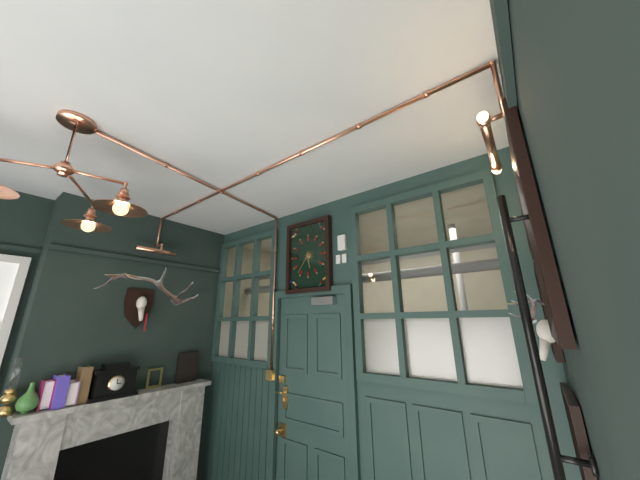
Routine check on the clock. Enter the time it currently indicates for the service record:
5:36
